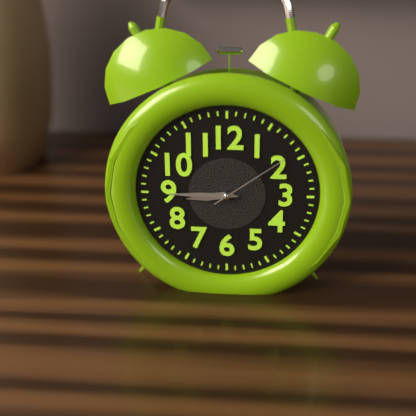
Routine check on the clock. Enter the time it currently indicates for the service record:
8:45:09
